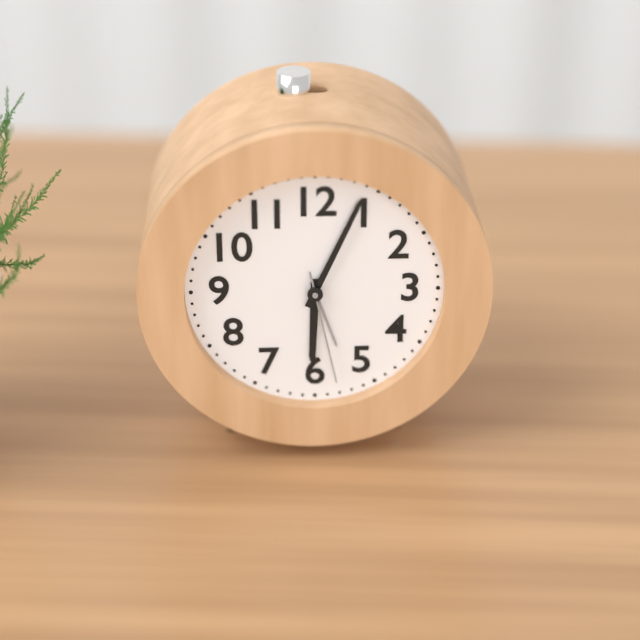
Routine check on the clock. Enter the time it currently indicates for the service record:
6:04:28
